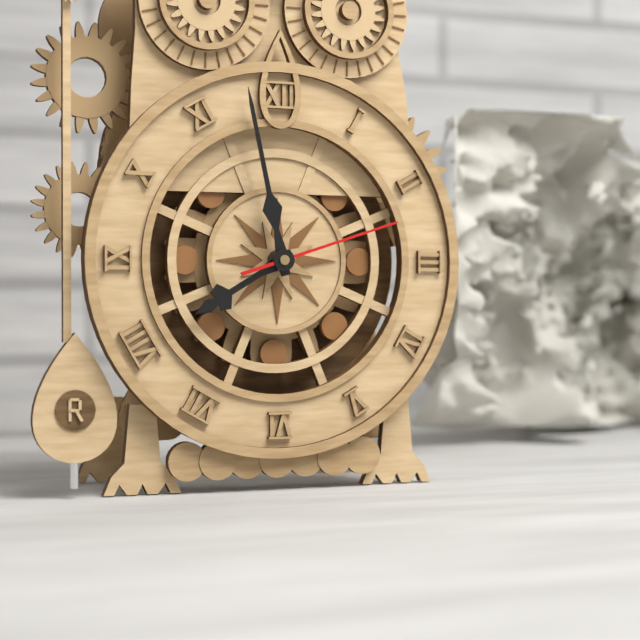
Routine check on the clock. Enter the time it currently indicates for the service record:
7:58:12
